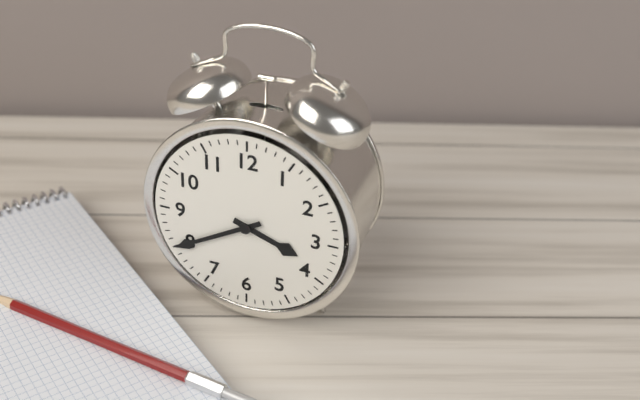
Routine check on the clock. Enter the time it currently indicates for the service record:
3:40
